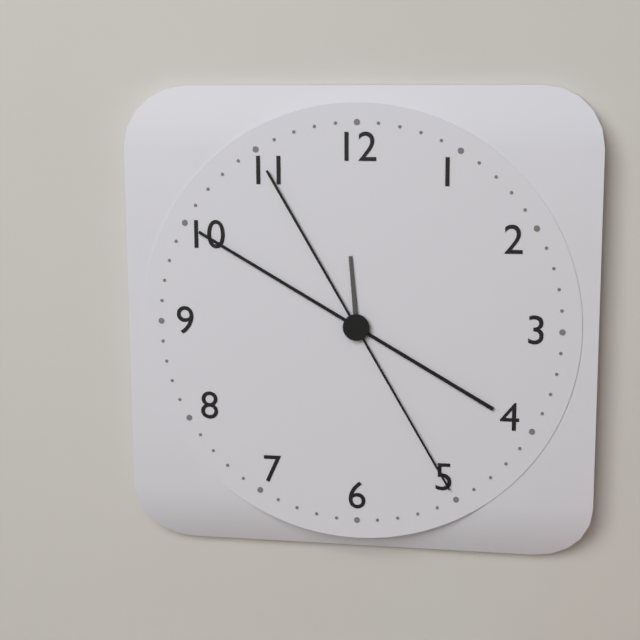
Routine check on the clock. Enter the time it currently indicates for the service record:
11:50:25
